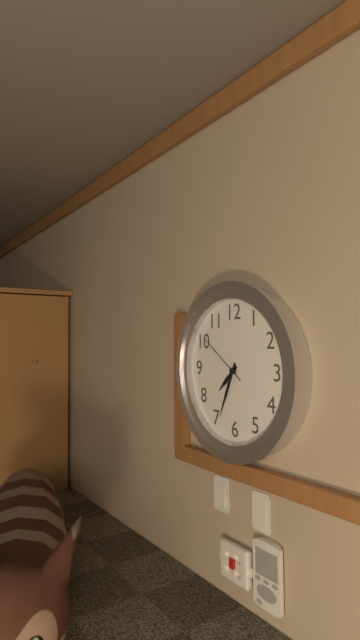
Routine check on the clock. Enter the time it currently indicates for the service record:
7:34:51
